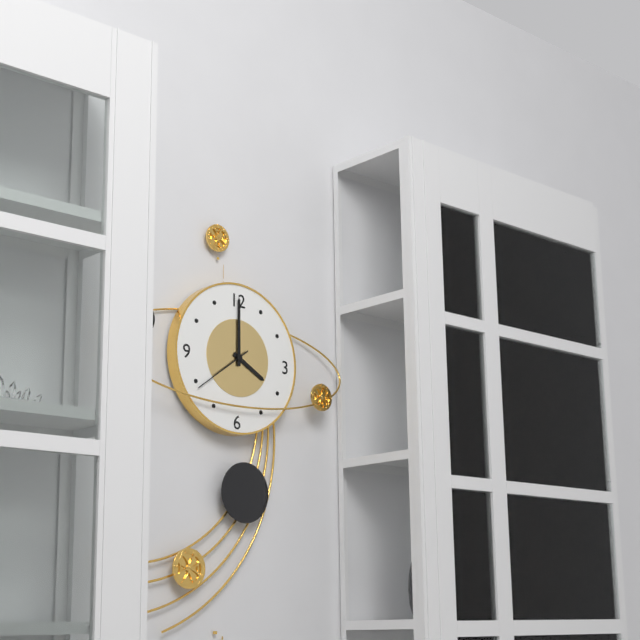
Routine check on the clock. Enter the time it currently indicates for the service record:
4:00:39
